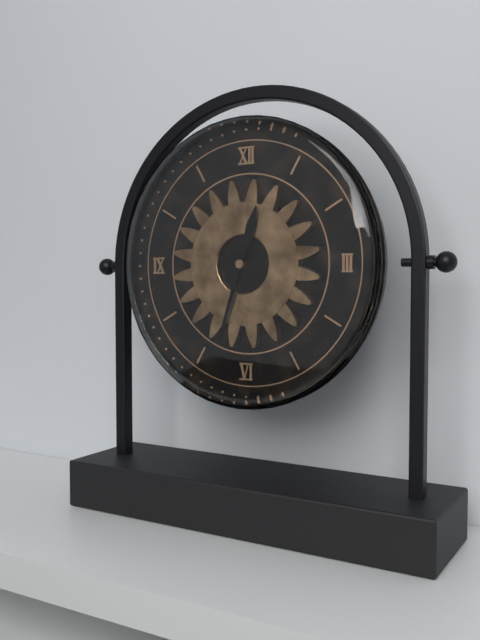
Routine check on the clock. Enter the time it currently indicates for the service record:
12:33
